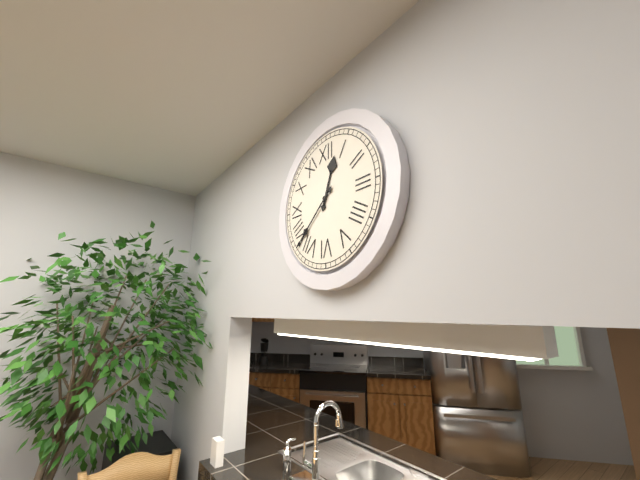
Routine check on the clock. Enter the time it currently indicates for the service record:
12:38
